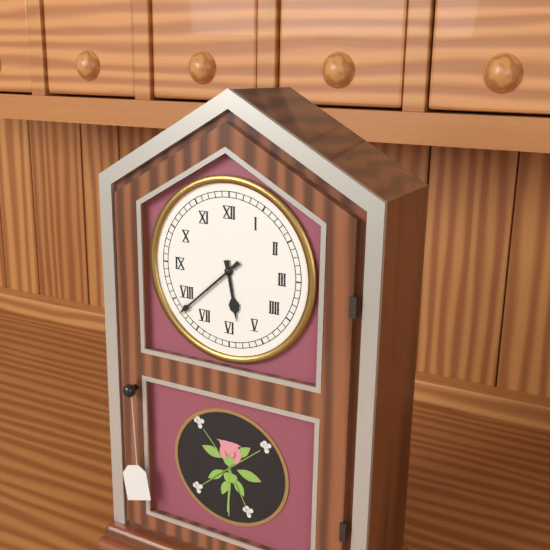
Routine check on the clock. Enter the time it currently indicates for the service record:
5:38
